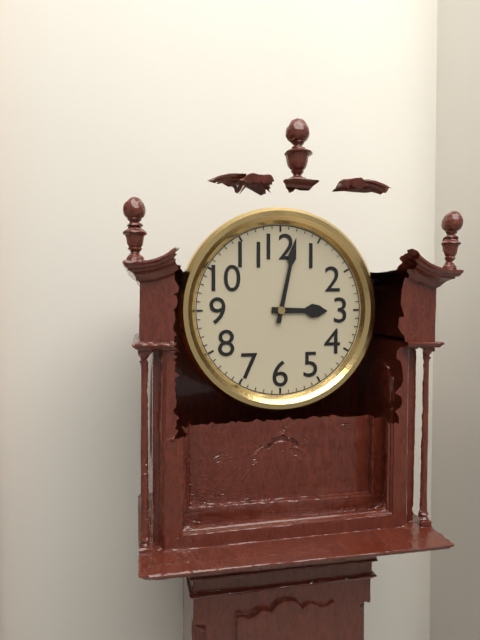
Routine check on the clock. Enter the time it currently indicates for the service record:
3:02
